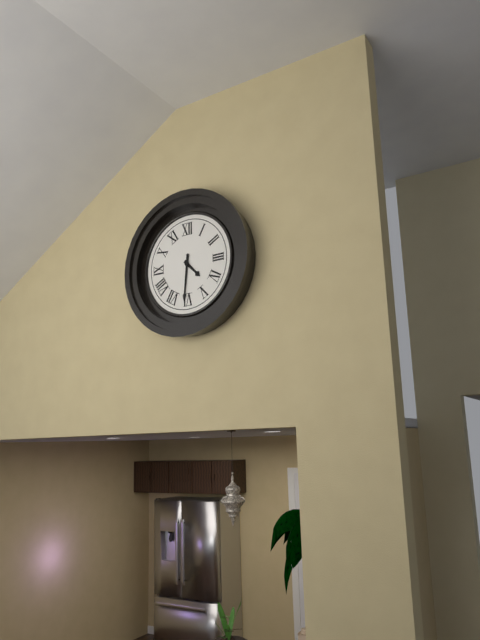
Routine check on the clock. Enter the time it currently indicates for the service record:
4:31
